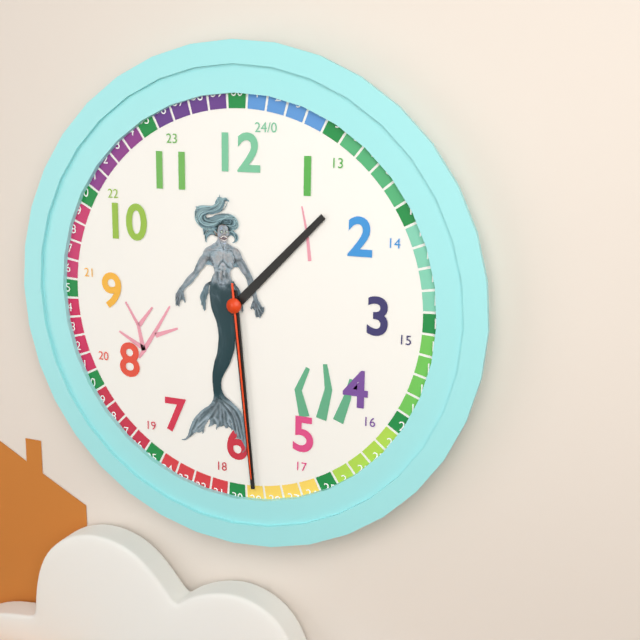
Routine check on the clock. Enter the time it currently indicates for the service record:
1:29:29
